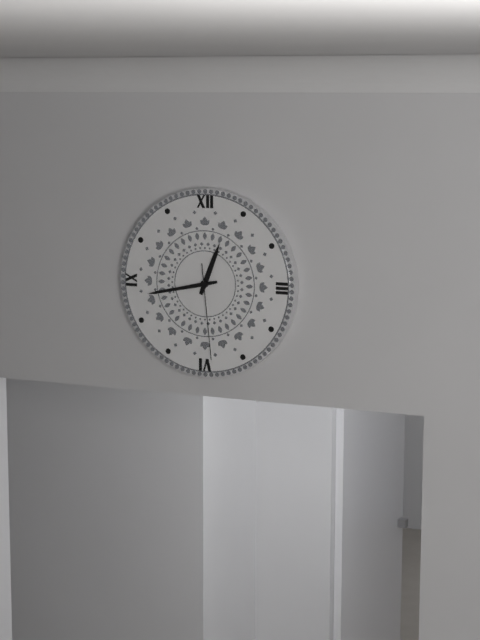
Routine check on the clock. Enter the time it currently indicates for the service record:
12:43:29
